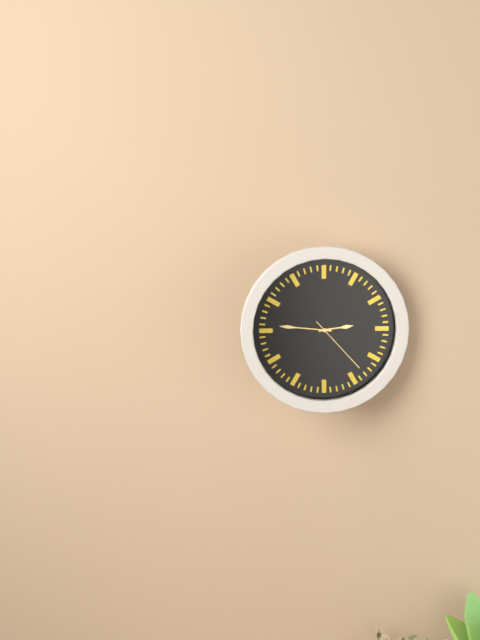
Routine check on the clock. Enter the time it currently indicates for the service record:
2:46:23
